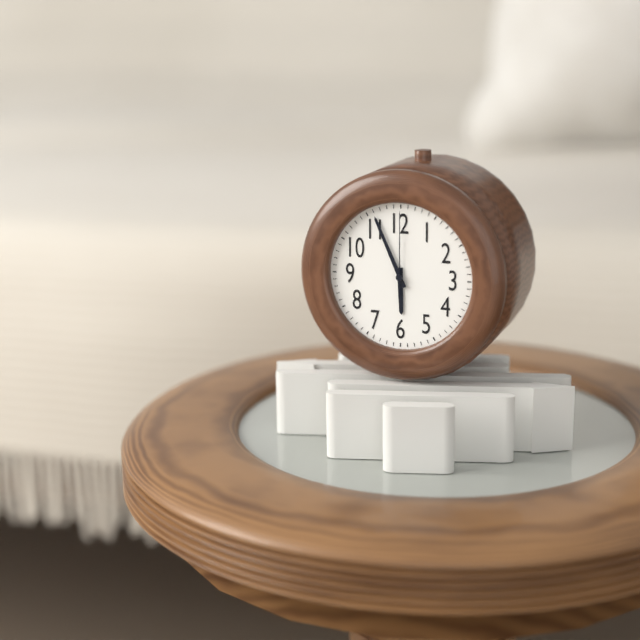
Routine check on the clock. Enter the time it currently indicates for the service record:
5:56:00
